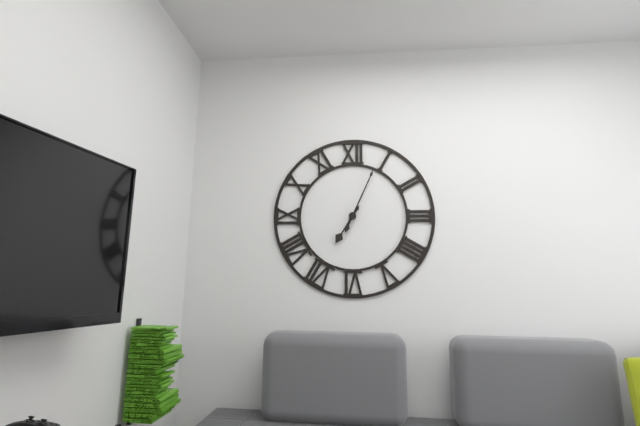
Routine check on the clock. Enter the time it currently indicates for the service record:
7:04
